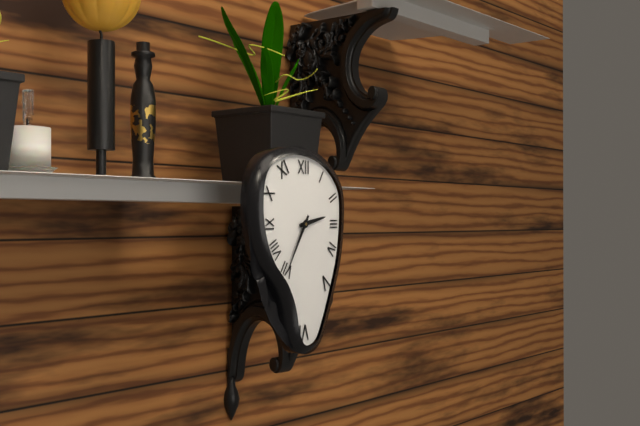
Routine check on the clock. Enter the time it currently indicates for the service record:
2:35
